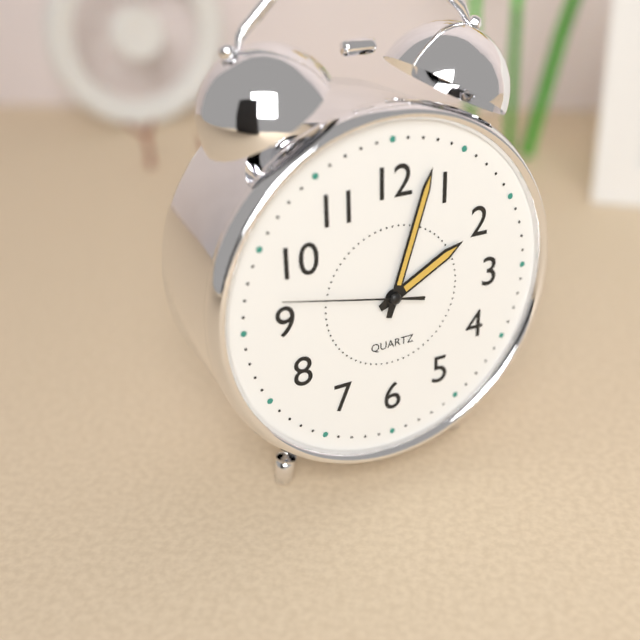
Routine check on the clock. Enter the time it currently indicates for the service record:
2:03:47
